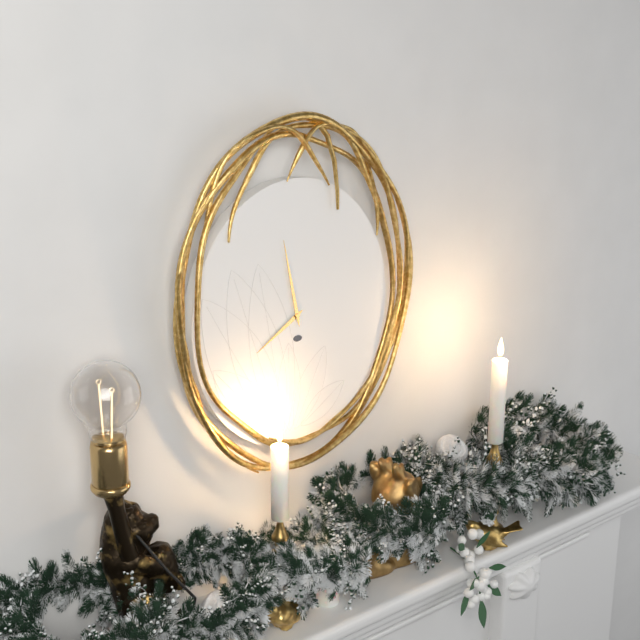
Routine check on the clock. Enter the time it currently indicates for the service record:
7:58
